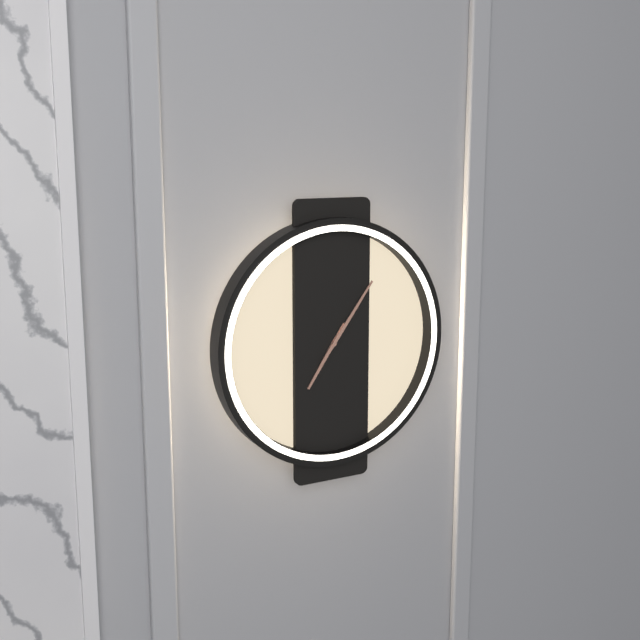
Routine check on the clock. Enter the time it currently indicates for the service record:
7:06
